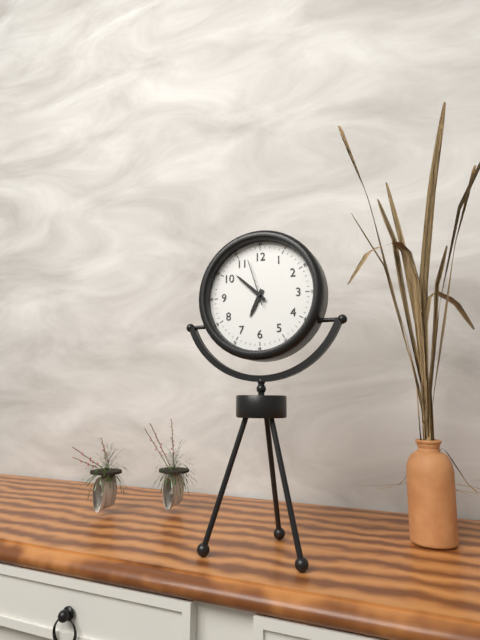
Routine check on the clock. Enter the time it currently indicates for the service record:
6:52
